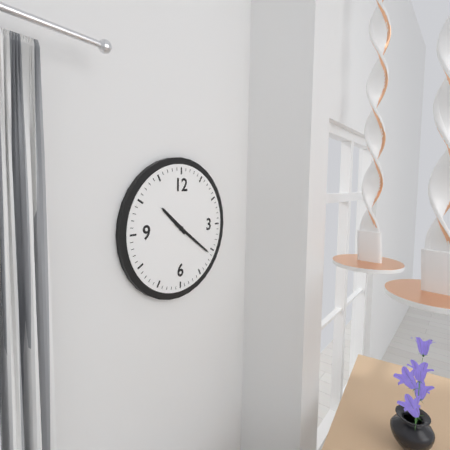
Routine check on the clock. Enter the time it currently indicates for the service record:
10:21
